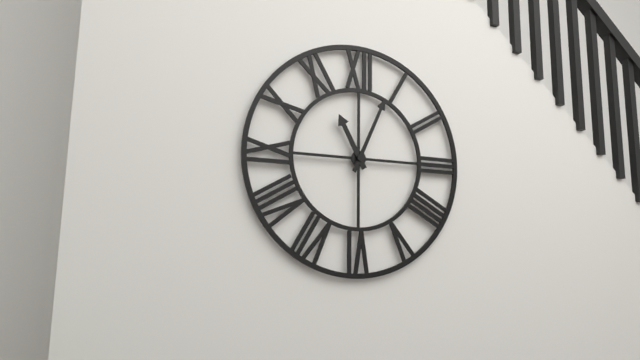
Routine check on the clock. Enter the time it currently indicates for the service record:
11:04
